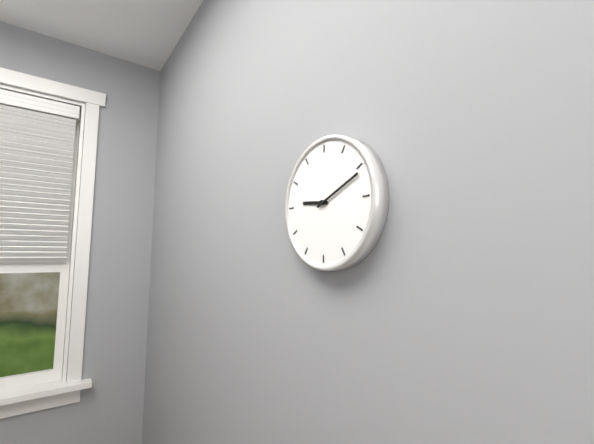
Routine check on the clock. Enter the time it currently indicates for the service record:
9:11
